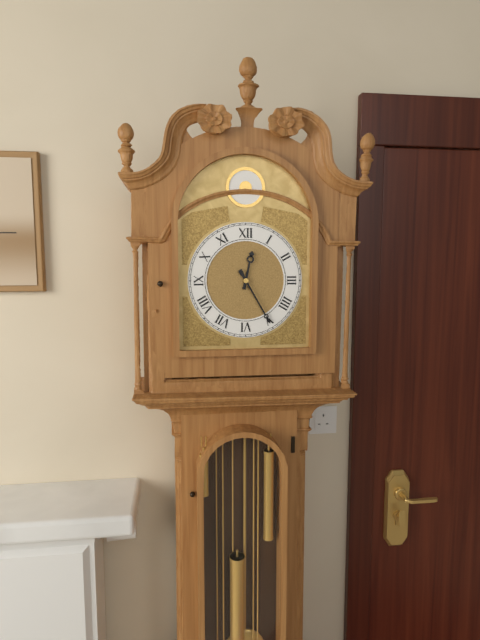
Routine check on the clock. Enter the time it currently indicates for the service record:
12:25
